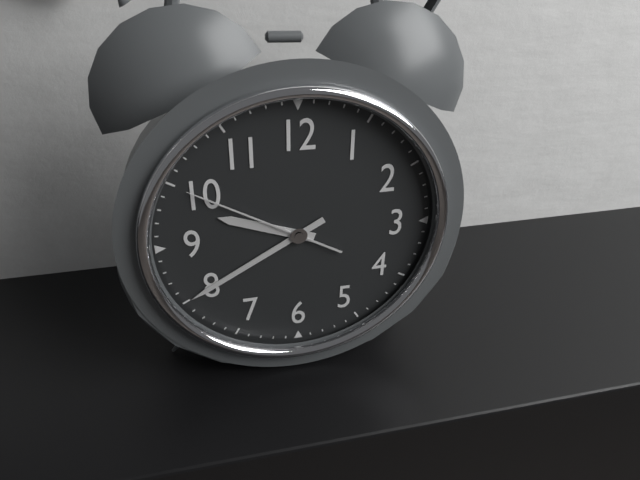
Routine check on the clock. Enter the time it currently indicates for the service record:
9:40:50
